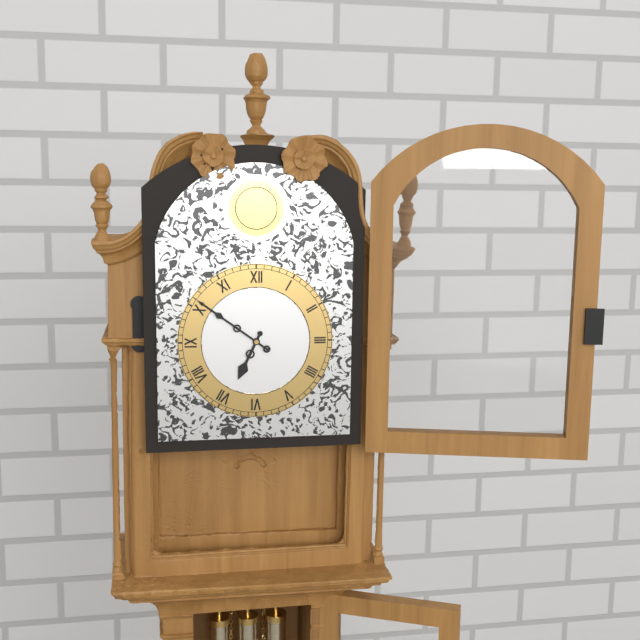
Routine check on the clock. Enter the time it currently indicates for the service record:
6:51
